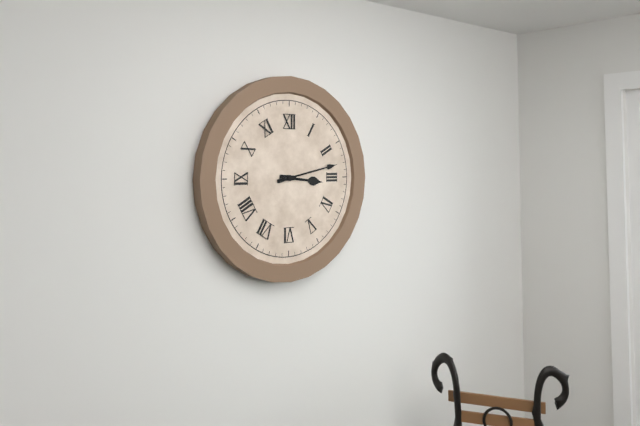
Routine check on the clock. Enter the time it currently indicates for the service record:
3:13
